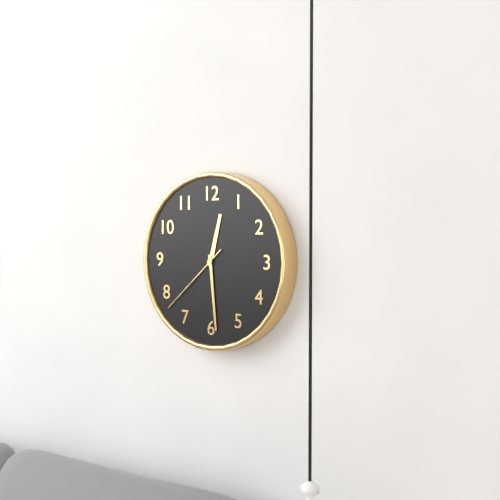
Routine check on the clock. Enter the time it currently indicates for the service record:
12:29:38
